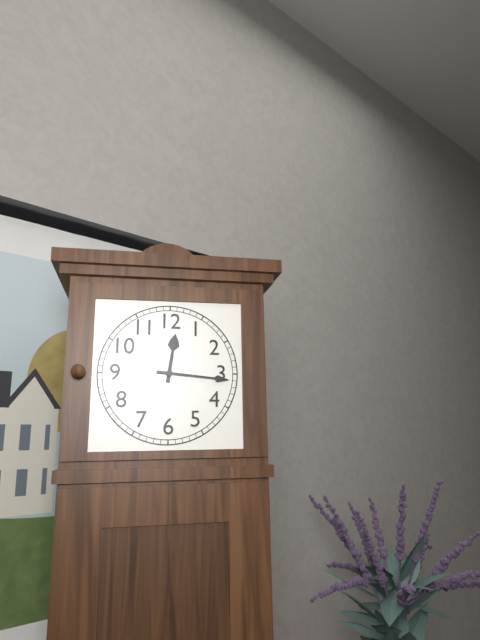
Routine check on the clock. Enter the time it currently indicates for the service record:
12:16
